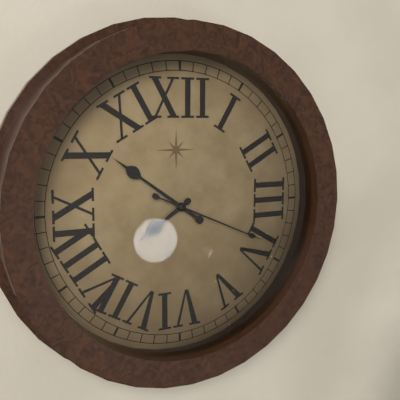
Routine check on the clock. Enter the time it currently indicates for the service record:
7:51:19
